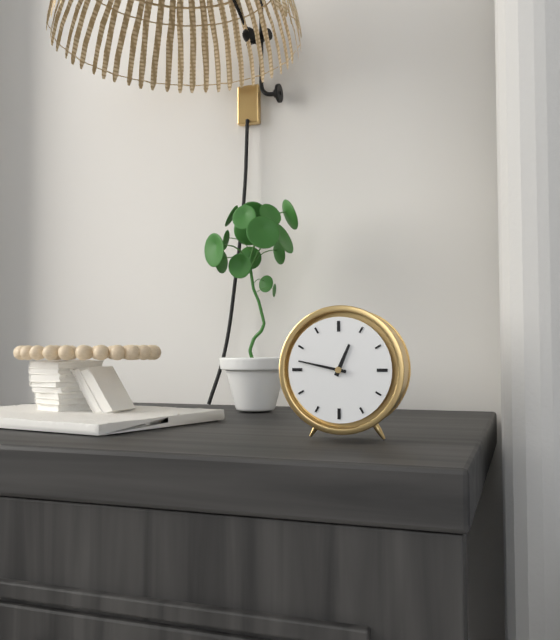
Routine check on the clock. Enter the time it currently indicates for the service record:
12:47
